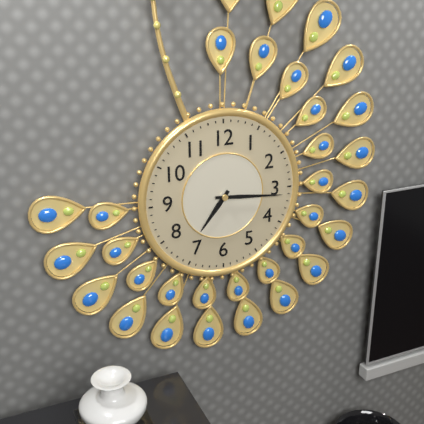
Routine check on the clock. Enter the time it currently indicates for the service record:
7:16
